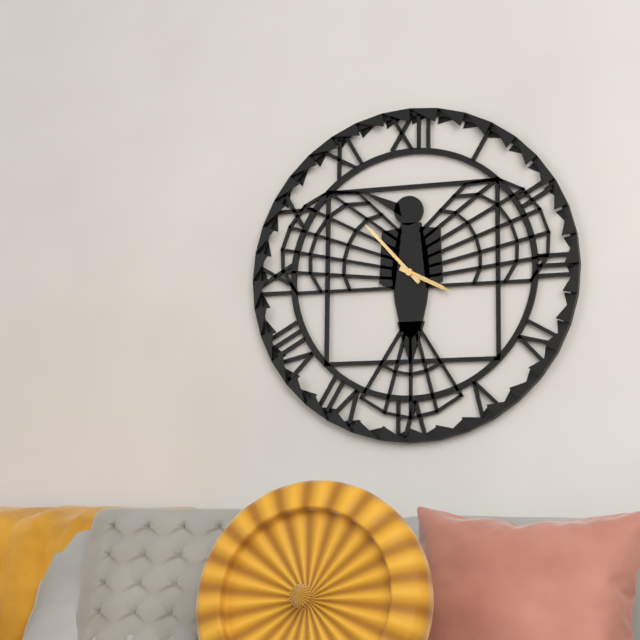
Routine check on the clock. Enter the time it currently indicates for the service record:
3:53
